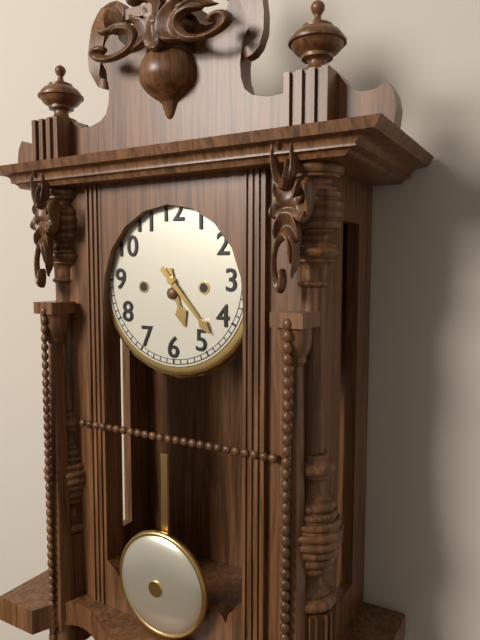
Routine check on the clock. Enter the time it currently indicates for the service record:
5:23
